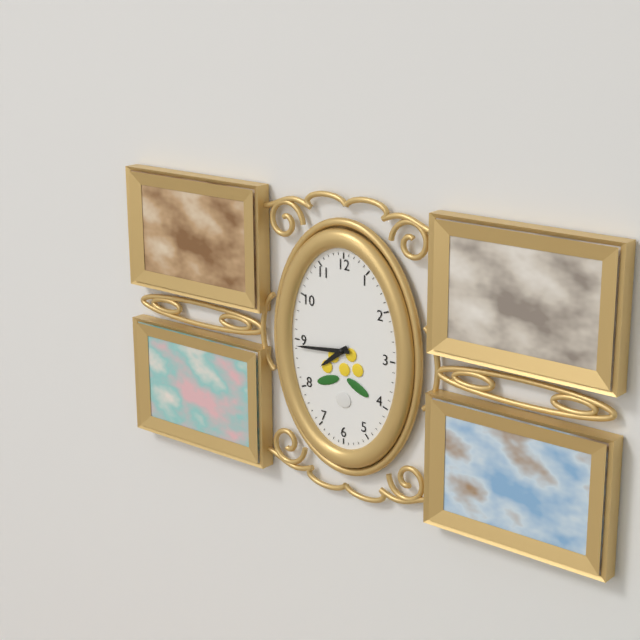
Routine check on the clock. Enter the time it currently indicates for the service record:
7:44
